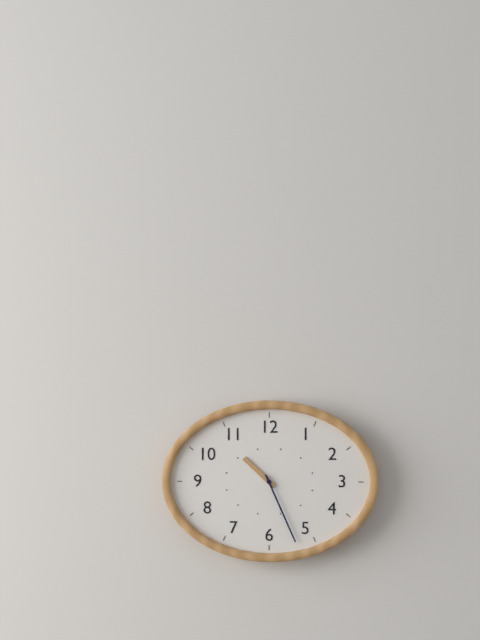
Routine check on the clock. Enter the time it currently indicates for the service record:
10:26
